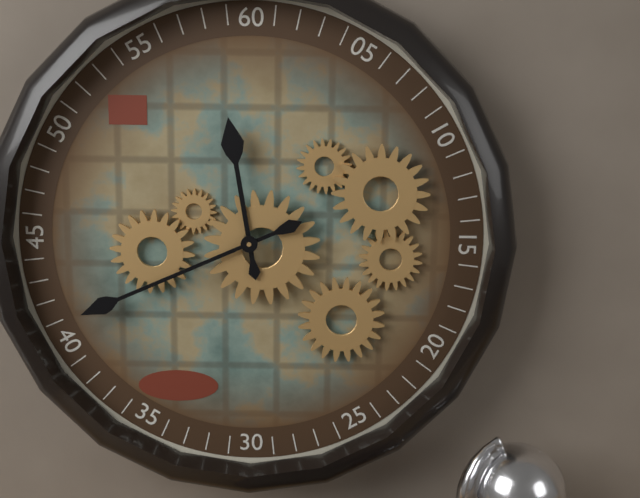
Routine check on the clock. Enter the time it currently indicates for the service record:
11:41
